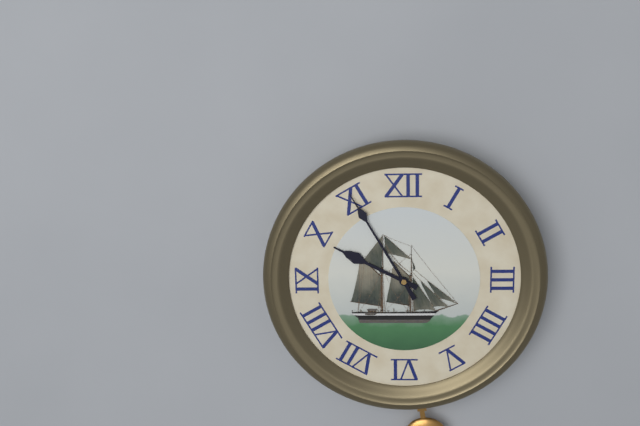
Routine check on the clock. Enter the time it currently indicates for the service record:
9:55
